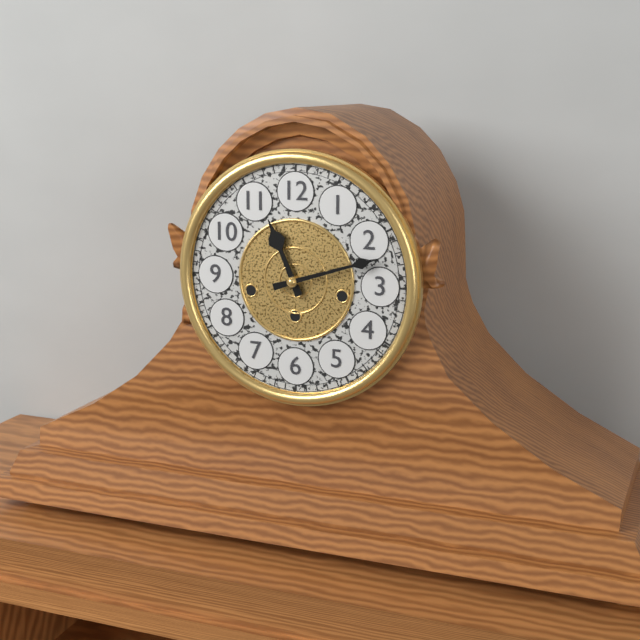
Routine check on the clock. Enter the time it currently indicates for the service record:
11:12
